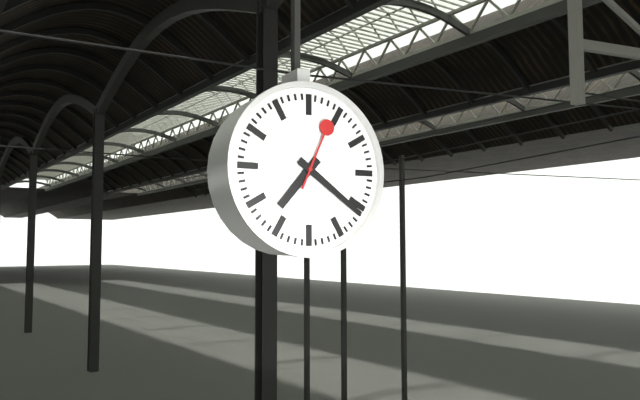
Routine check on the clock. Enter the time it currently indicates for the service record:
7:21:04
